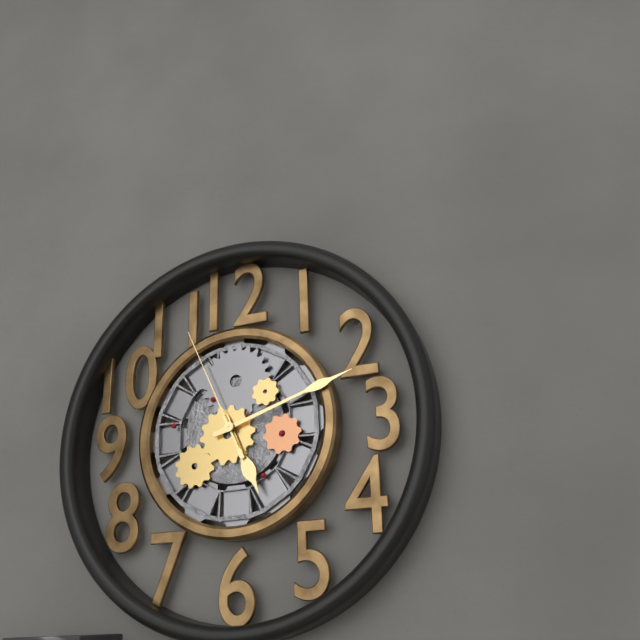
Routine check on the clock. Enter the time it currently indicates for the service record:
5:12:56
